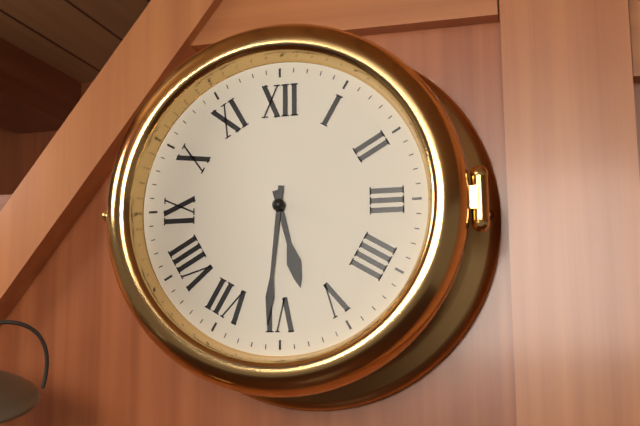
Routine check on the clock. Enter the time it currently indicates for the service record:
5:31
